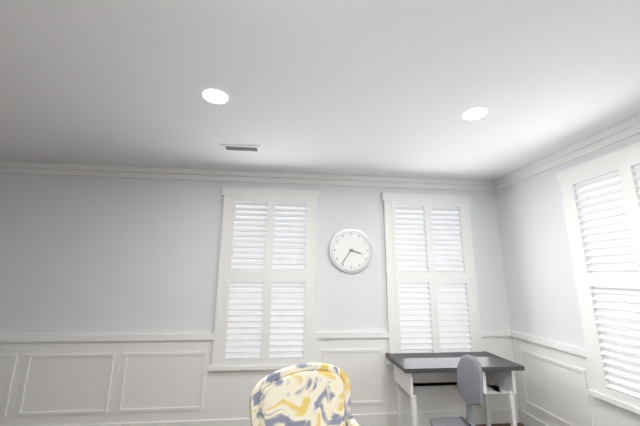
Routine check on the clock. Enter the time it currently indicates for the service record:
3:36
